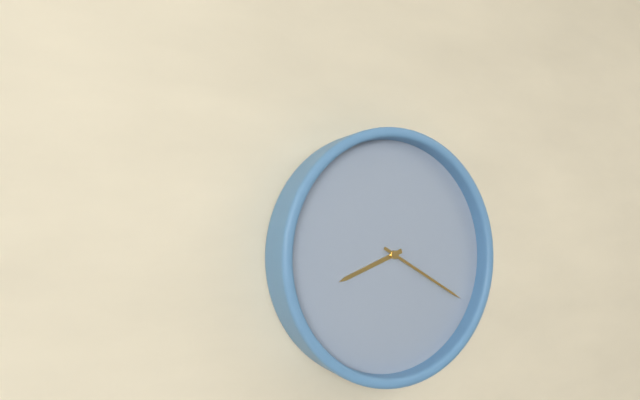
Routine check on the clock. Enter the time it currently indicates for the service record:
8:20
